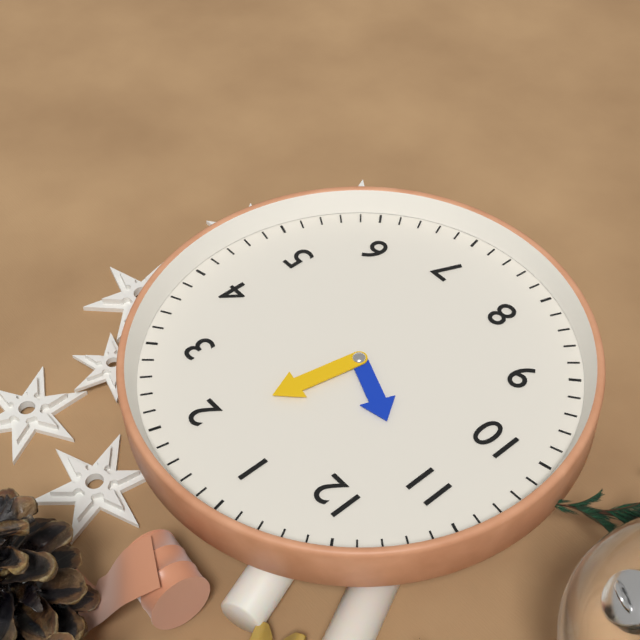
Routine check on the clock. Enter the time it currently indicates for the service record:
11:09
